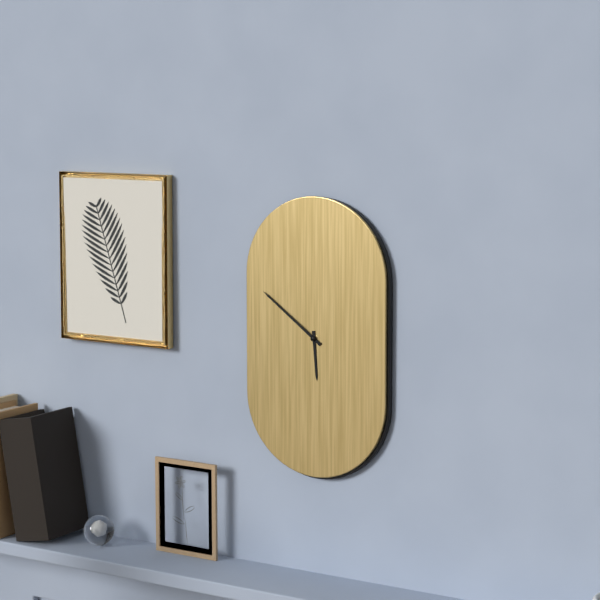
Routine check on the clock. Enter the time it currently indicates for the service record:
5:51
